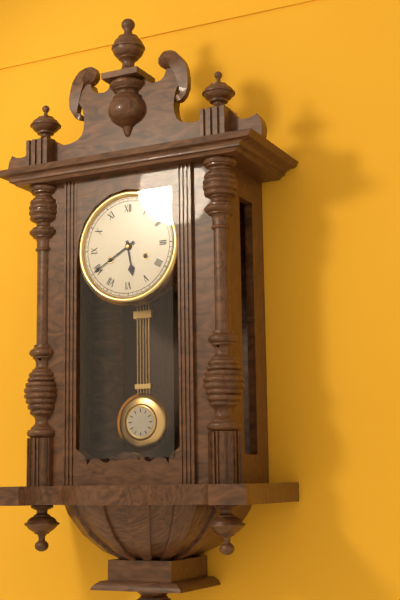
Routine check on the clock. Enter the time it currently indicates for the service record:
5:40
